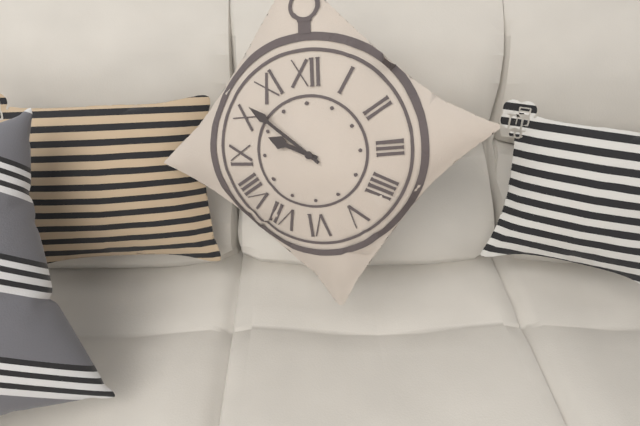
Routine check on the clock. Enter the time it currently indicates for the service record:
9:52
